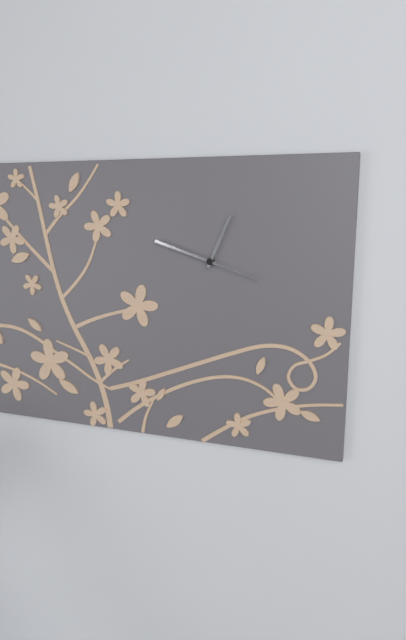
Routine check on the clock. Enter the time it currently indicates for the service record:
12:48:18
